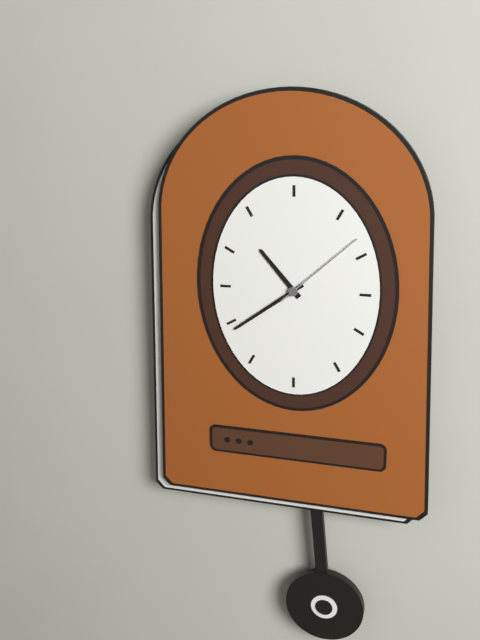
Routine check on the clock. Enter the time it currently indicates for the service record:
10:39:08
